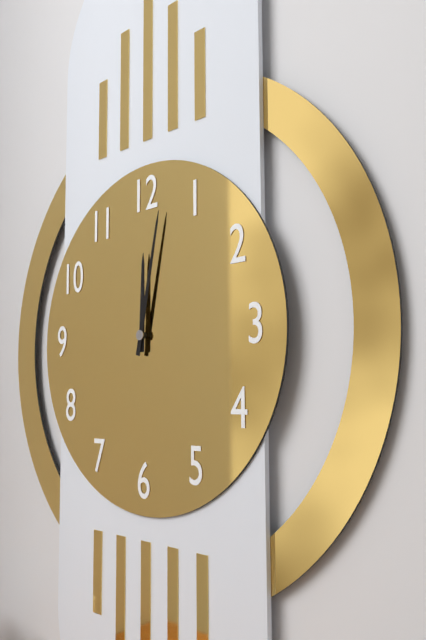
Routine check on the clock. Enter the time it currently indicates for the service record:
12:02
